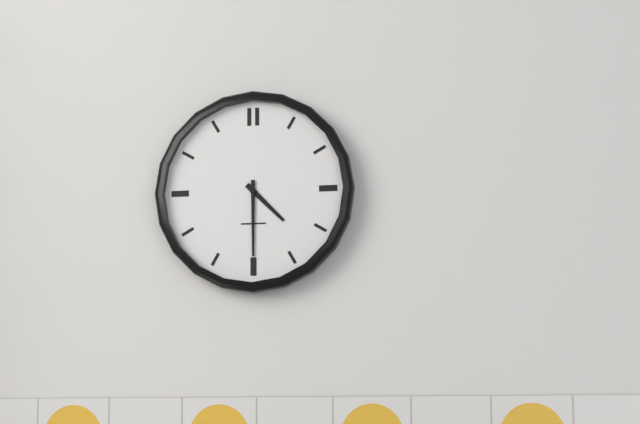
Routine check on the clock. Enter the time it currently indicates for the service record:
4:30
